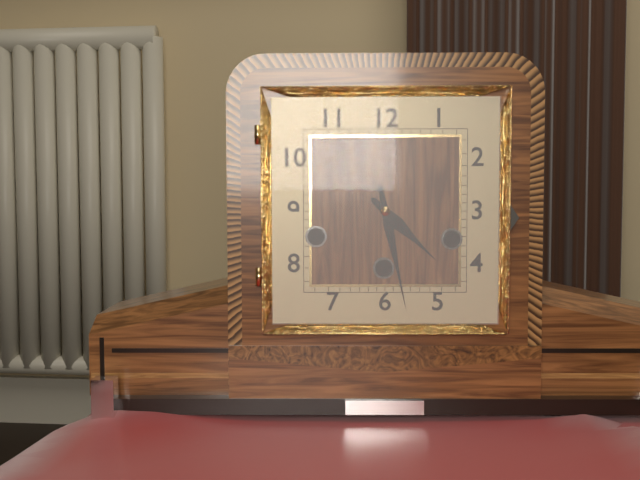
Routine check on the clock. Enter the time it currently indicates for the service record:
4:28
